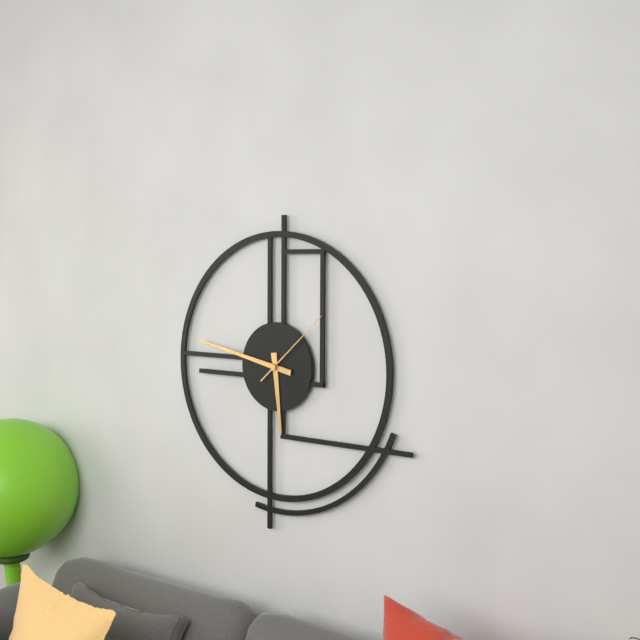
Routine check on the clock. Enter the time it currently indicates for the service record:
5:47:08
